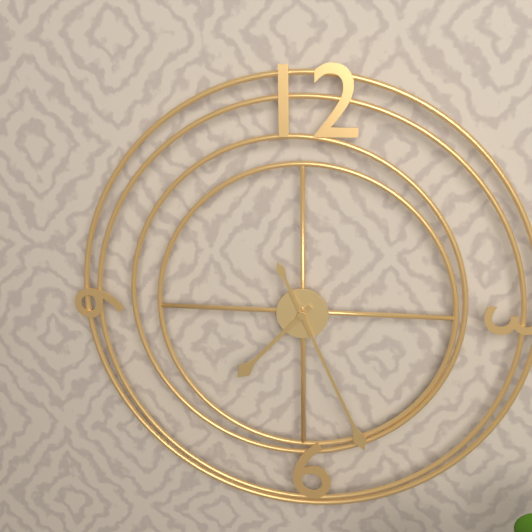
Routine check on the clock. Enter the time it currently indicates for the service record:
7:26
